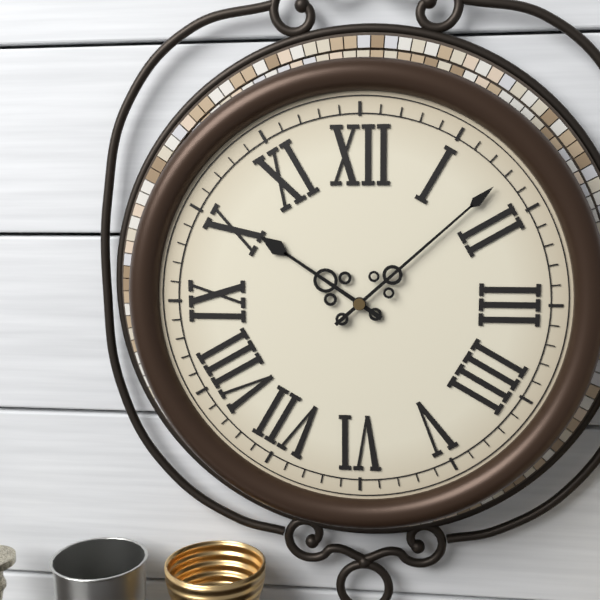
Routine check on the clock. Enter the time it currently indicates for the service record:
10:08
